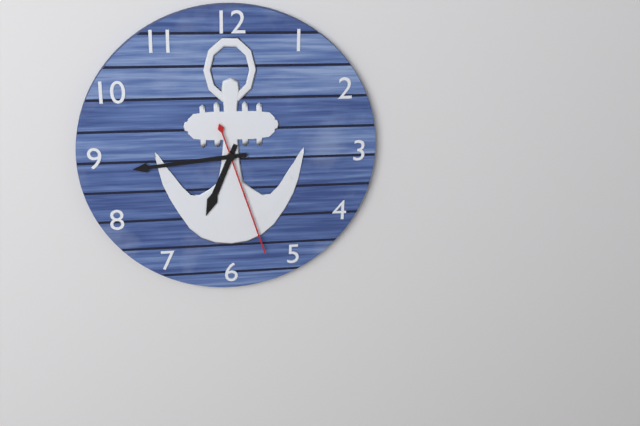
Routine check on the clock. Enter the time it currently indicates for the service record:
6:44:27
